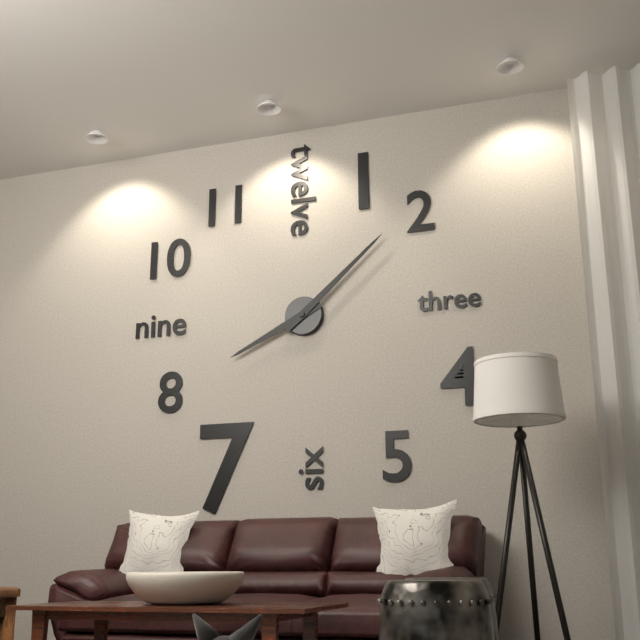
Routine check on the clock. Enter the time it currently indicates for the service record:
8:08
